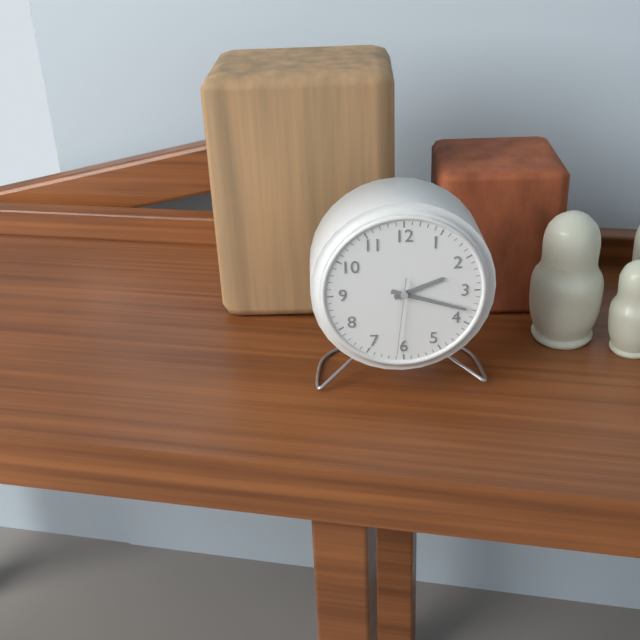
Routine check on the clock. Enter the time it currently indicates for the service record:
2:18:31
